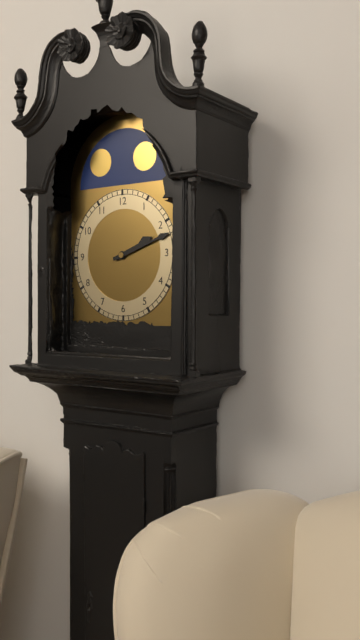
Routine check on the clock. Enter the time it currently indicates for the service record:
2:12
